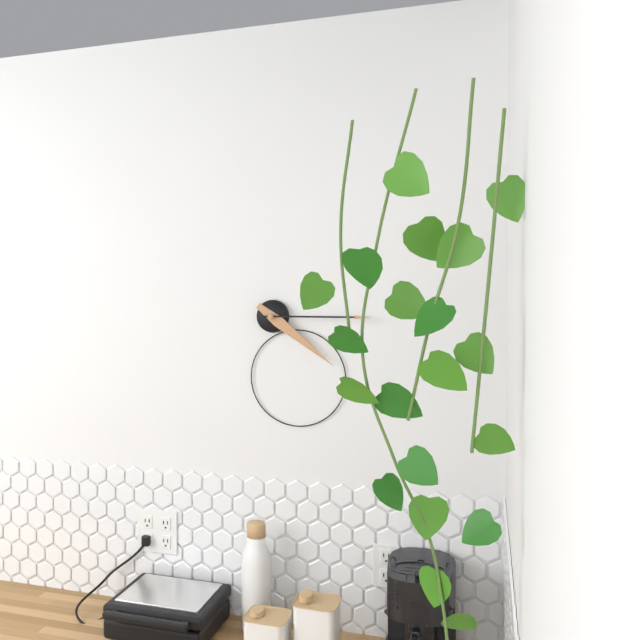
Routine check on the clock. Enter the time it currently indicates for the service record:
4:15
